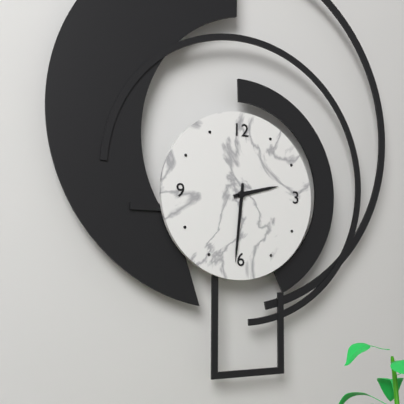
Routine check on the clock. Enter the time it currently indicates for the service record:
2:31
